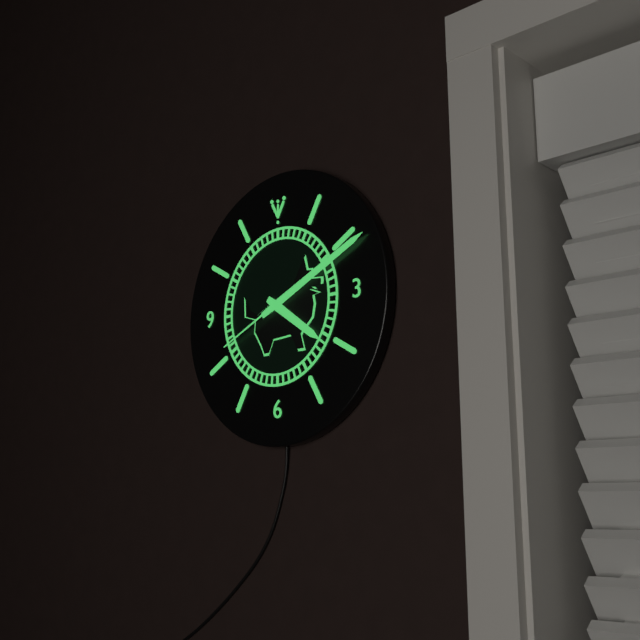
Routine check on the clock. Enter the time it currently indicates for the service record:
4:11:41
